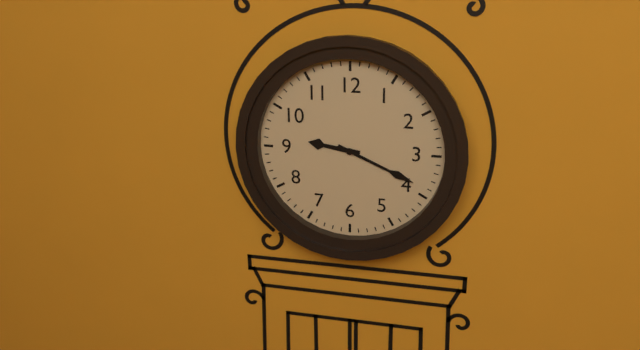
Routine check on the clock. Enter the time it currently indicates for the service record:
9:19
